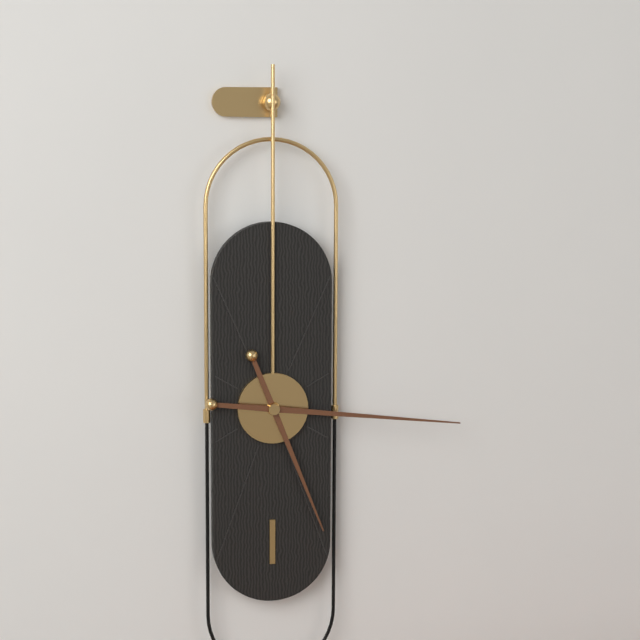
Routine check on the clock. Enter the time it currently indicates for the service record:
5:16
